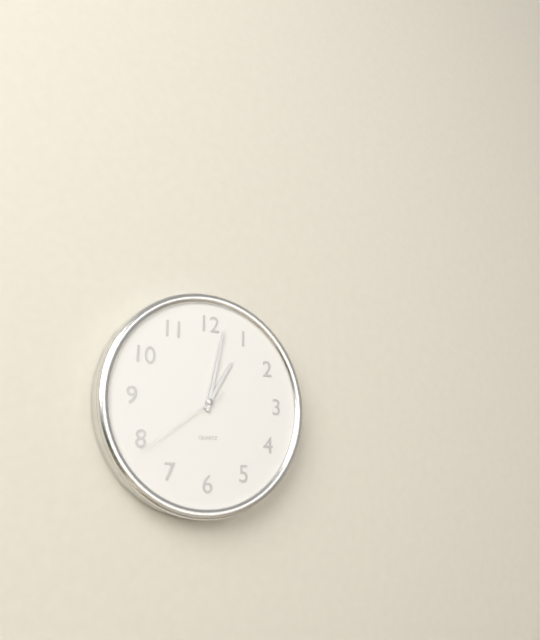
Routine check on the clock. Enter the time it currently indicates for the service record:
1:02:39
